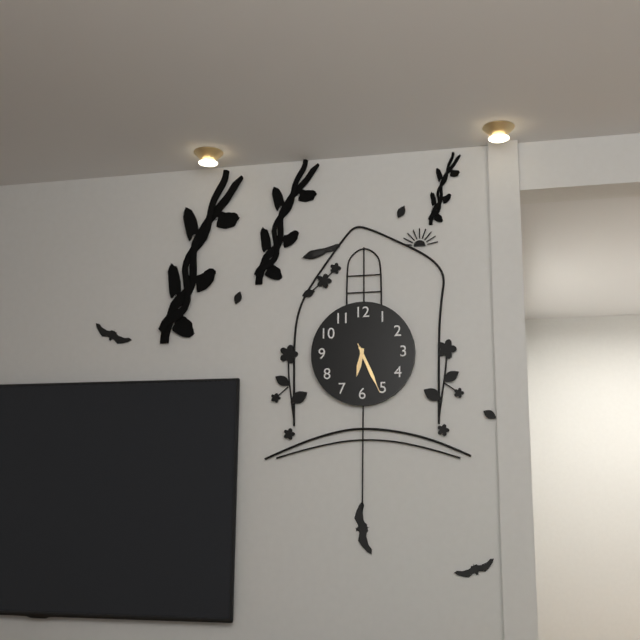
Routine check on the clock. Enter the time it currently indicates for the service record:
6:26:26
